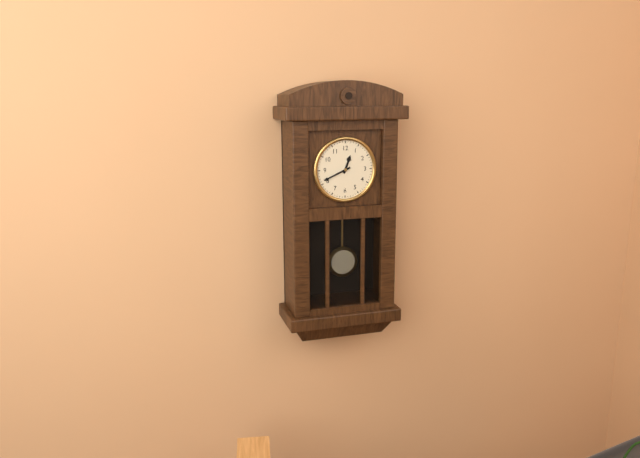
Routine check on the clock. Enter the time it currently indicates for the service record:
12:41
